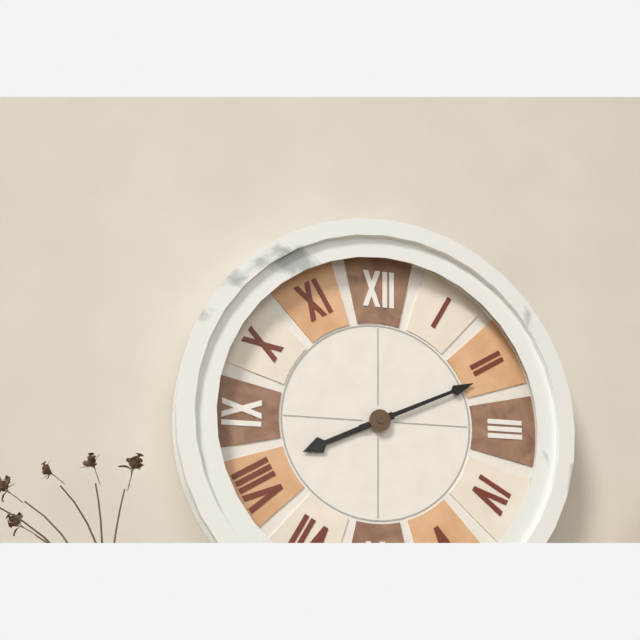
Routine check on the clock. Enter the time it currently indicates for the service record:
8:11
